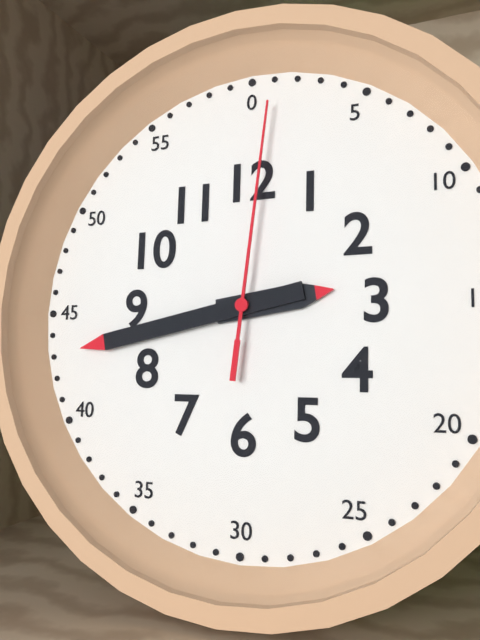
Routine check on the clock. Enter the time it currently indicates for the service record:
2:43:01
